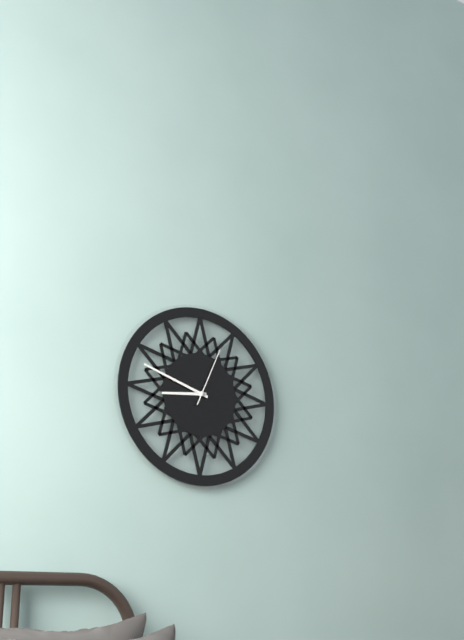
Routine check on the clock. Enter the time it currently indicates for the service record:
8:48:04
